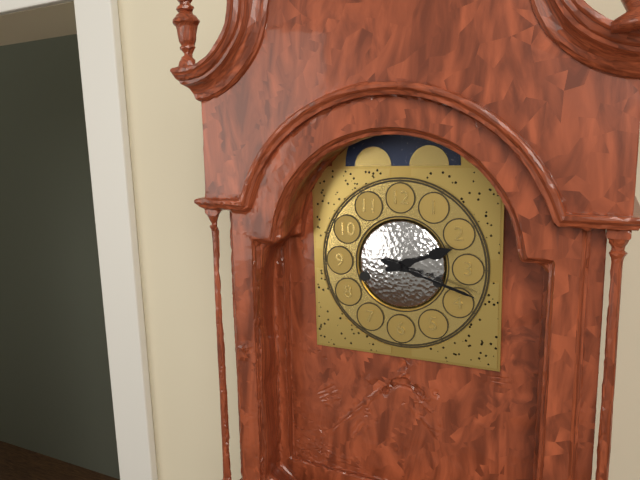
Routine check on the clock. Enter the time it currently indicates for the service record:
2:18
